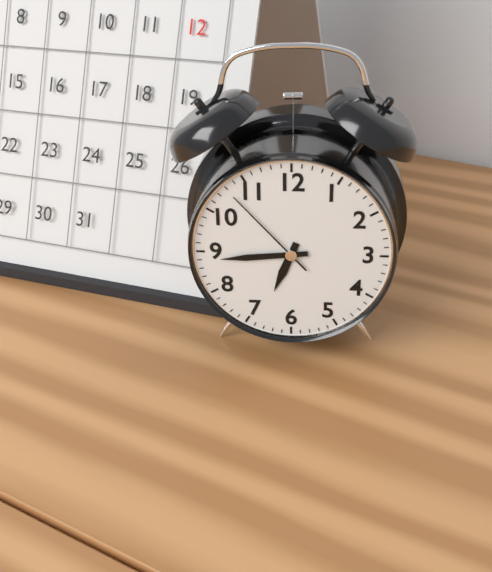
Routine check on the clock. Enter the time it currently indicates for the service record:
6:44:53
